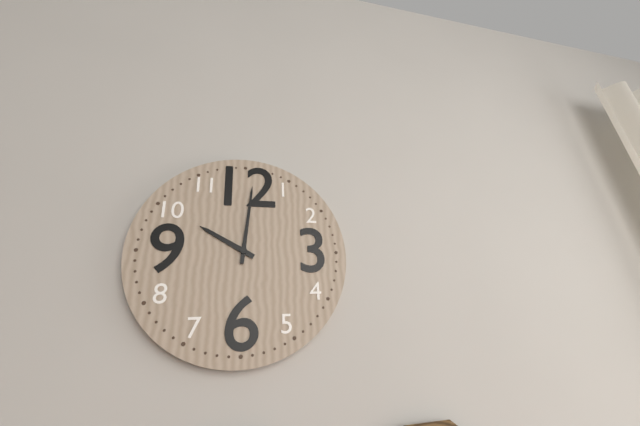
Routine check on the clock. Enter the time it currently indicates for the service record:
10:01
